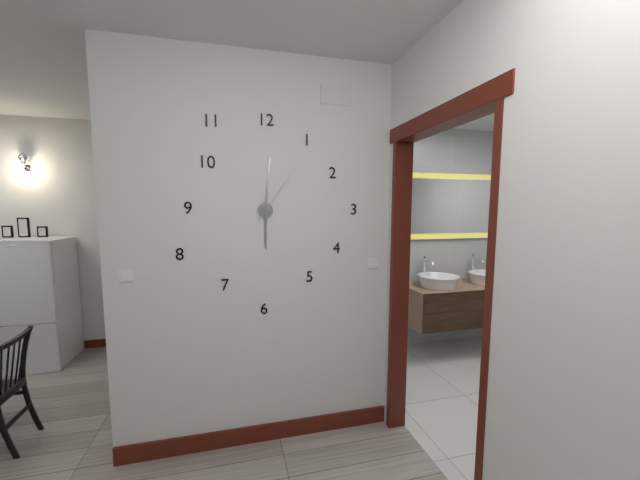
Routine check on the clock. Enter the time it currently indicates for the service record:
6:01:06
